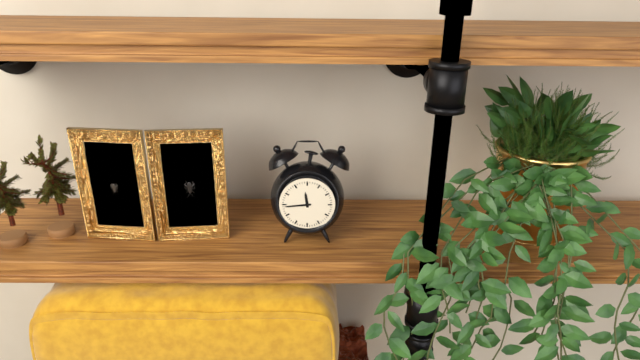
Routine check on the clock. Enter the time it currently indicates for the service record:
11:44
